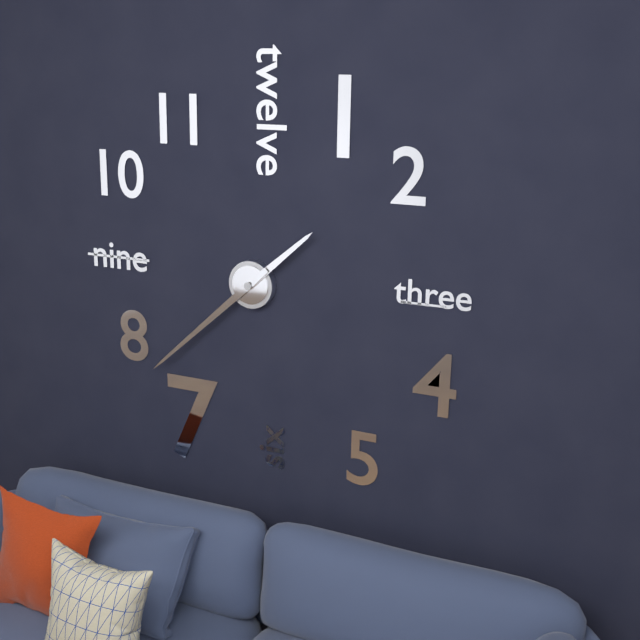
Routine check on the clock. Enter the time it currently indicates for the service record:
1:38
